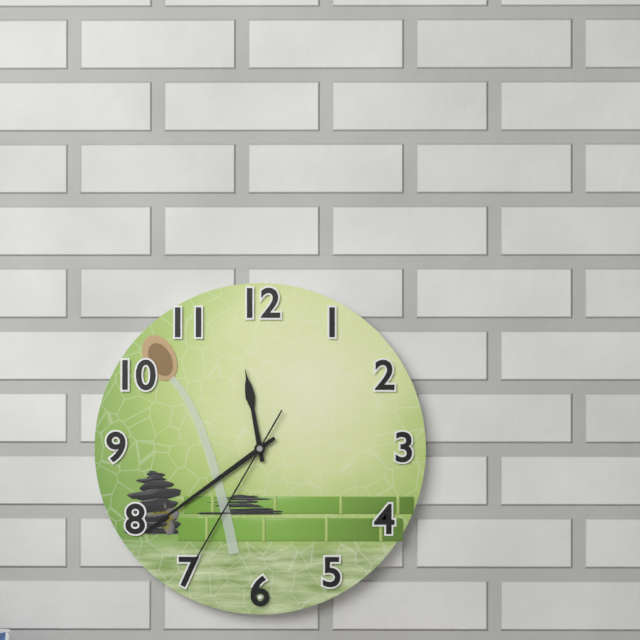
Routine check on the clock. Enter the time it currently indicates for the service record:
11:39:35
